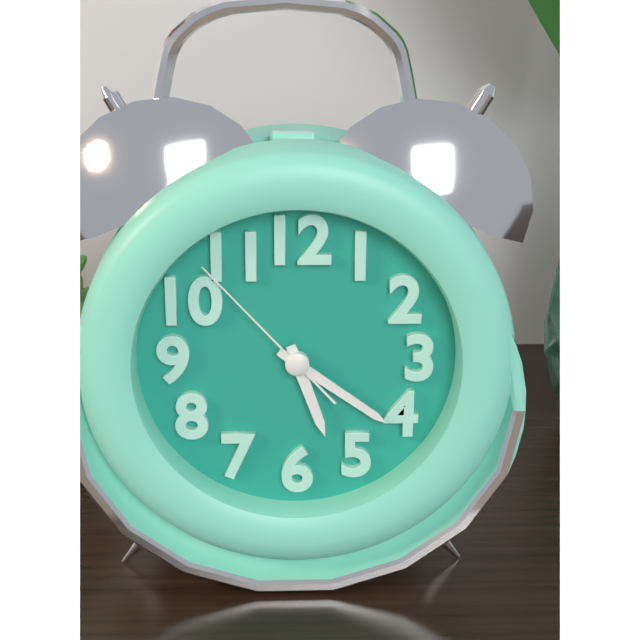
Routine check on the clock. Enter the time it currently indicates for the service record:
5:21:53
